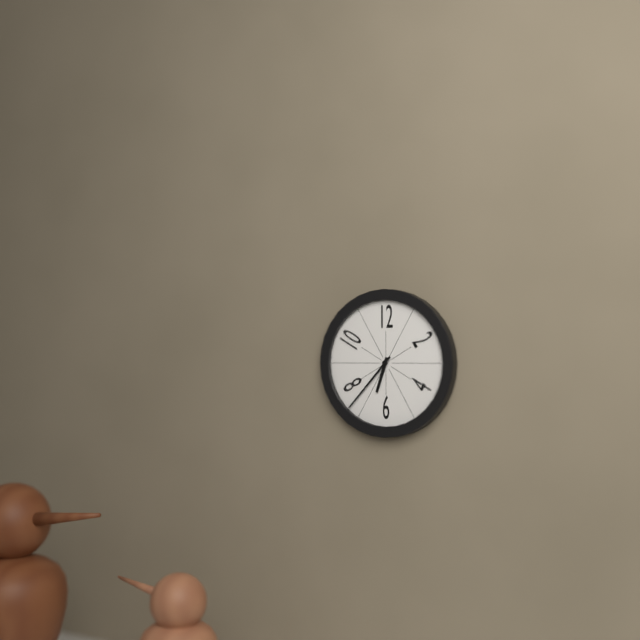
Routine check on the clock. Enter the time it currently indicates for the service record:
6:37
